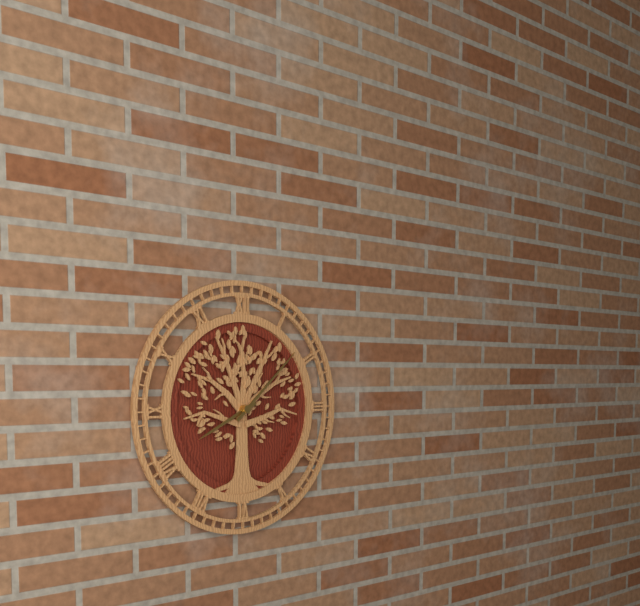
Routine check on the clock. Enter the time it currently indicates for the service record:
8:08
